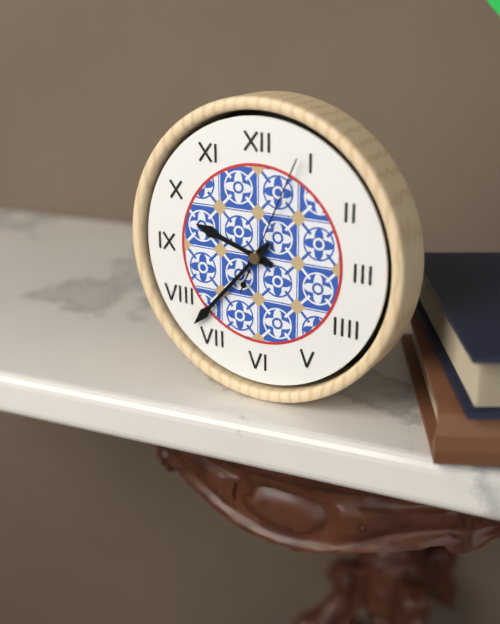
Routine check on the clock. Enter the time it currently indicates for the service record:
9:37:04
